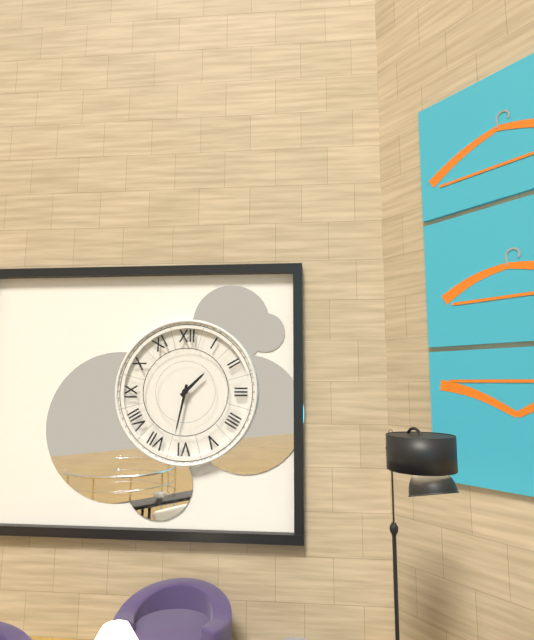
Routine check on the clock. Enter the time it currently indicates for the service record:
1:32
